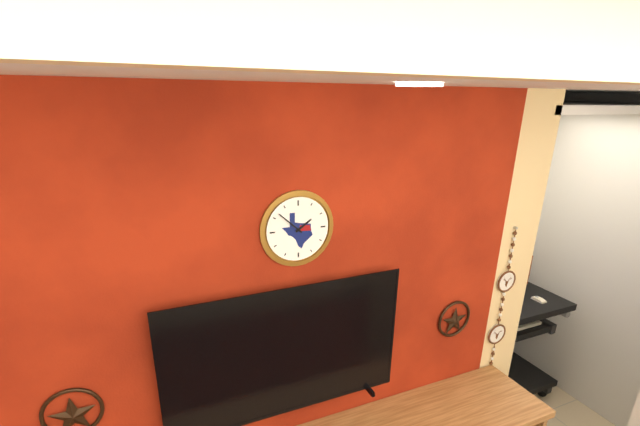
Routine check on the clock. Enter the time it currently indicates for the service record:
1:52
